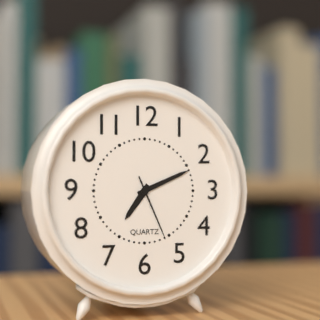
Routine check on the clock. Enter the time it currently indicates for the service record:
7:11:26
